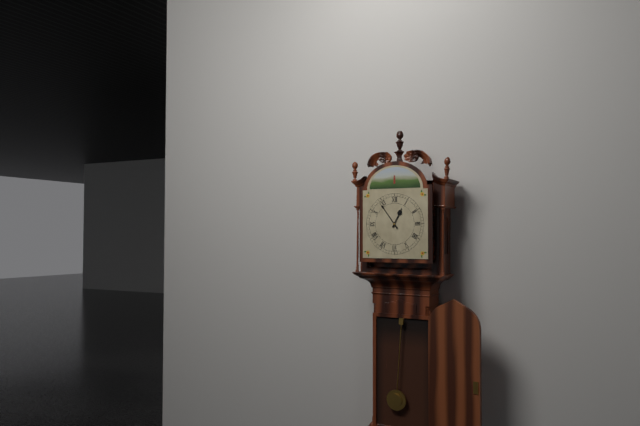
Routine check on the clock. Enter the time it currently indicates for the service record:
12:54
